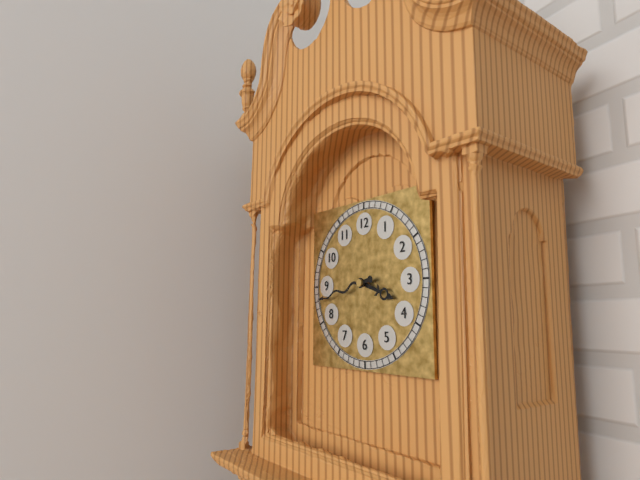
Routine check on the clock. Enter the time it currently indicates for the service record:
3:43
